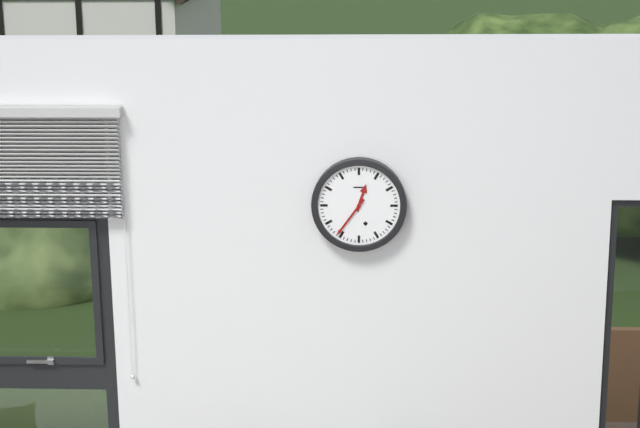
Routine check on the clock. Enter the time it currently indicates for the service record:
12:36
